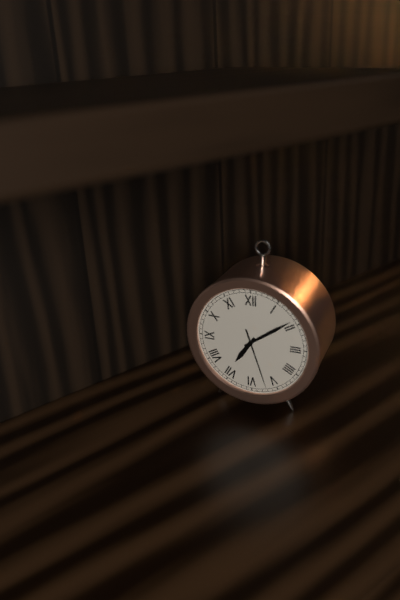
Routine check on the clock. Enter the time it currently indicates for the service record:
7:09:27
